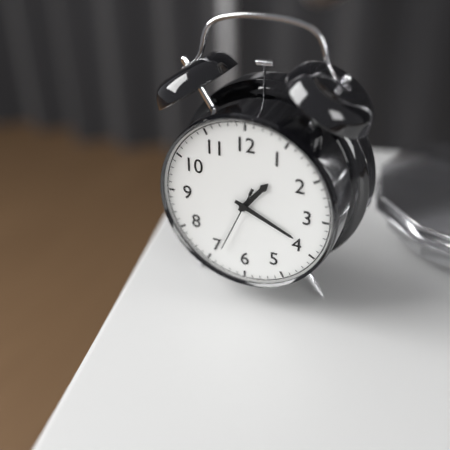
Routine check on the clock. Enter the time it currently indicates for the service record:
1:19:34
